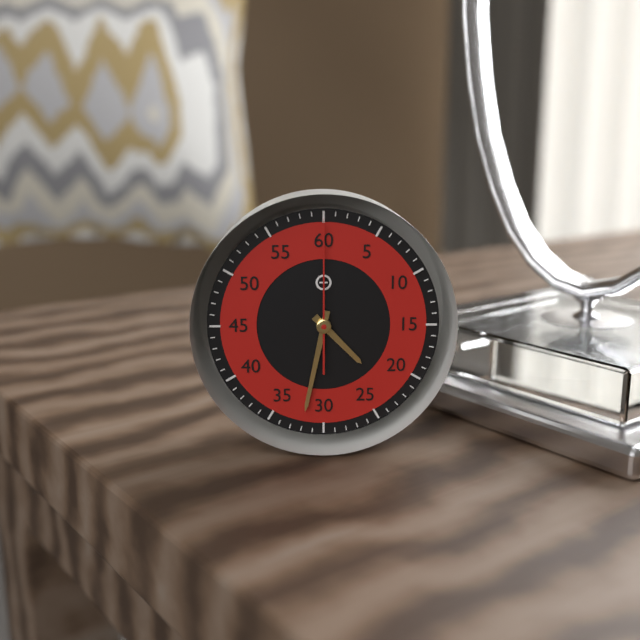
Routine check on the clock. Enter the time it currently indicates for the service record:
4:32:00
